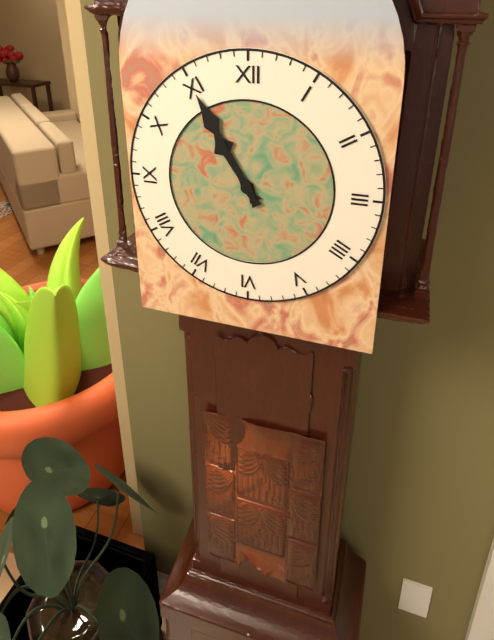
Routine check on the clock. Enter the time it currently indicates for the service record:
10:55
